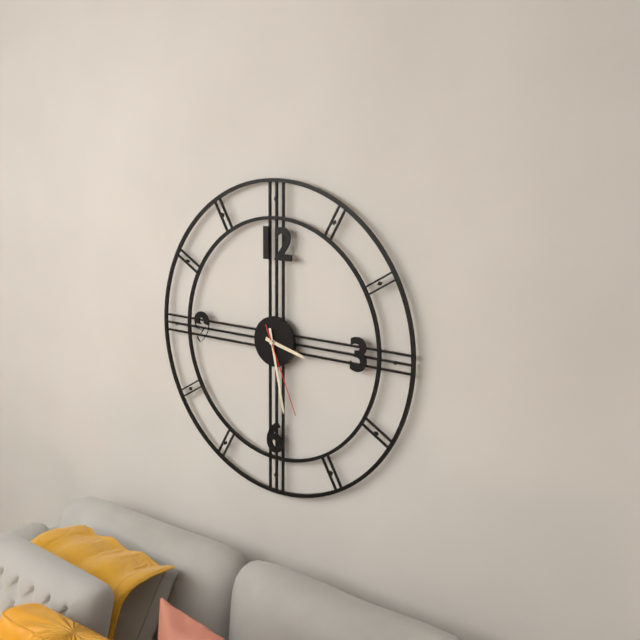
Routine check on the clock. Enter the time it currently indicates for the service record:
3:28:26
